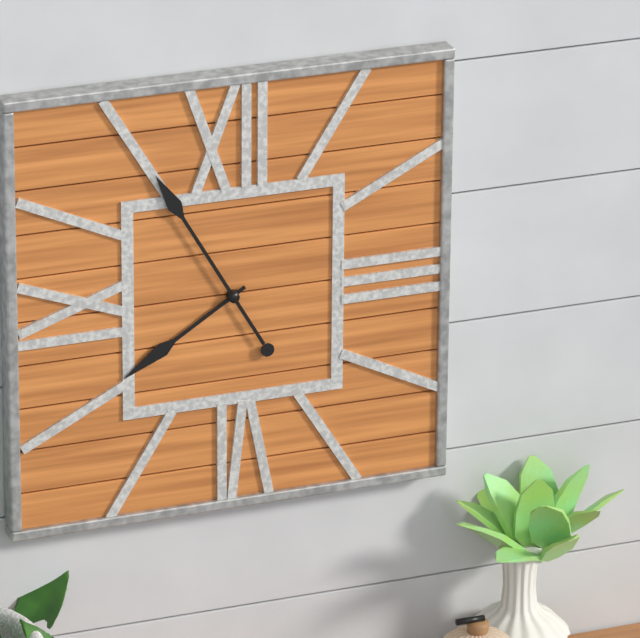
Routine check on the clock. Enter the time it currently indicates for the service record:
7:55
